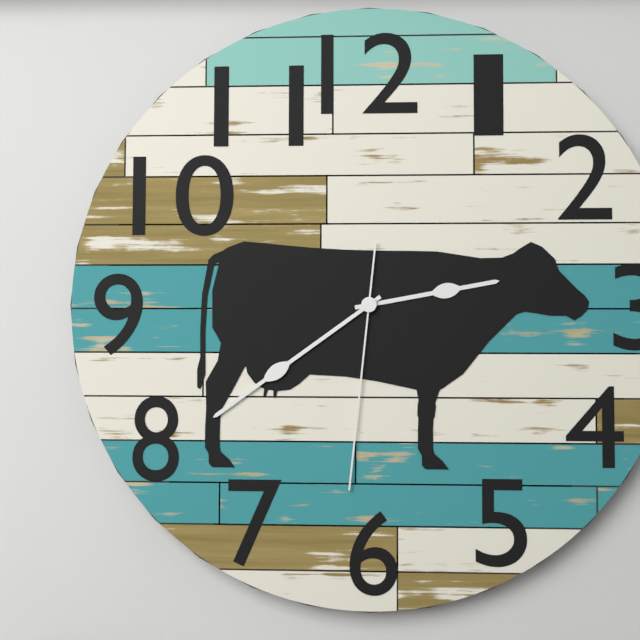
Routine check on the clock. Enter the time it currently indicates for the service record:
2:39:31
